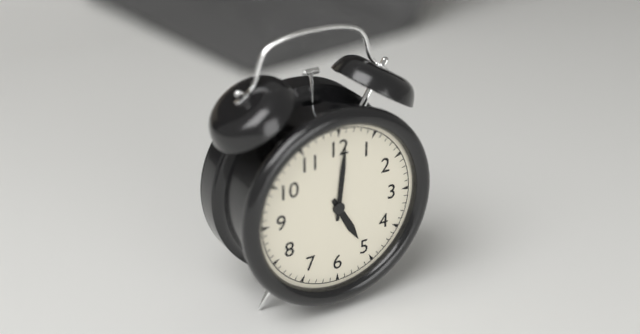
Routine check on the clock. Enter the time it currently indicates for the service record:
5:01
